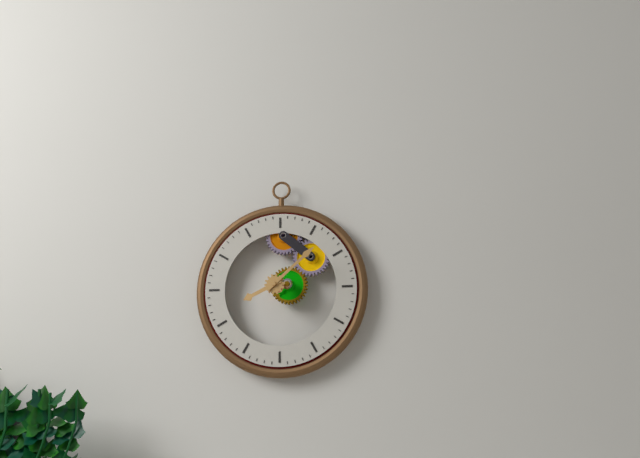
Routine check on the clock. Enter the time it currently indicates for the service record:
8:08
